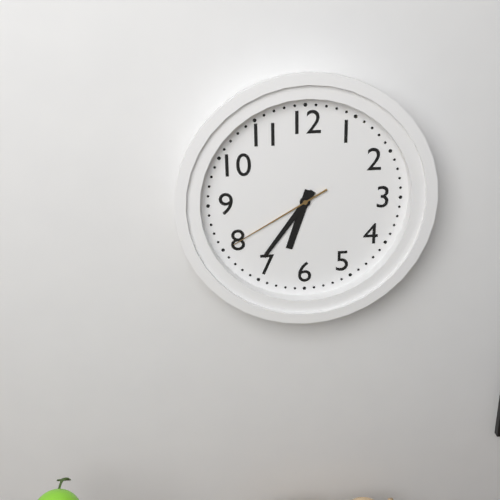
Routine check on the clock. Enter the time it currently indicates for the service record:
6:36:40
